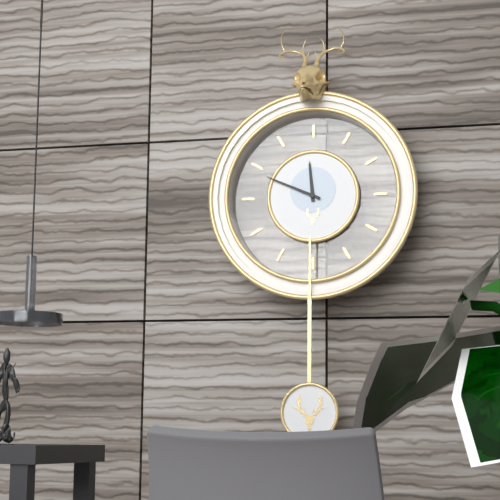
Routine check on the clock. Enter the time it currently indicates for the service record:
11:49
